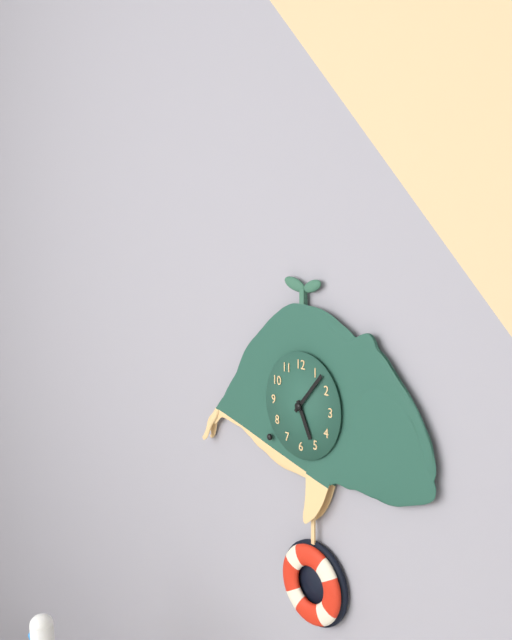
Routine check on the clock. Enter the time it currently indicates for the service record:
5:07
